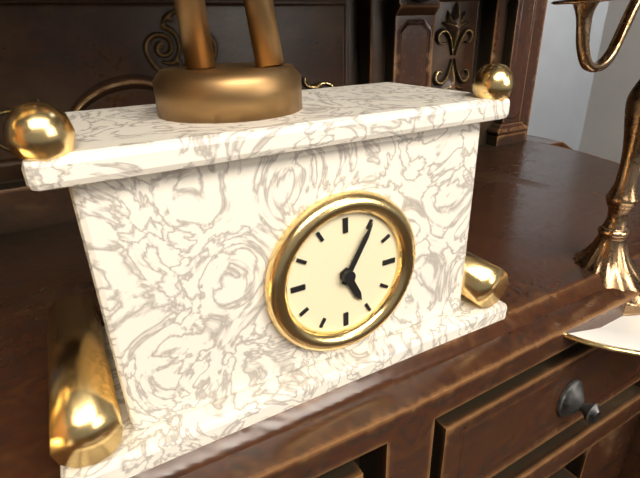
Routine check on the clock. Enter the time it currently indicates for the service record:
5:05
